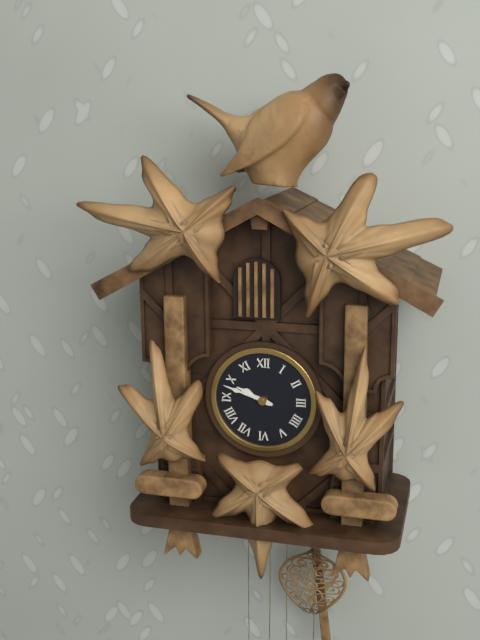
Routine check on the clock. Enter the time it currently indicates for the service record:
9:48
